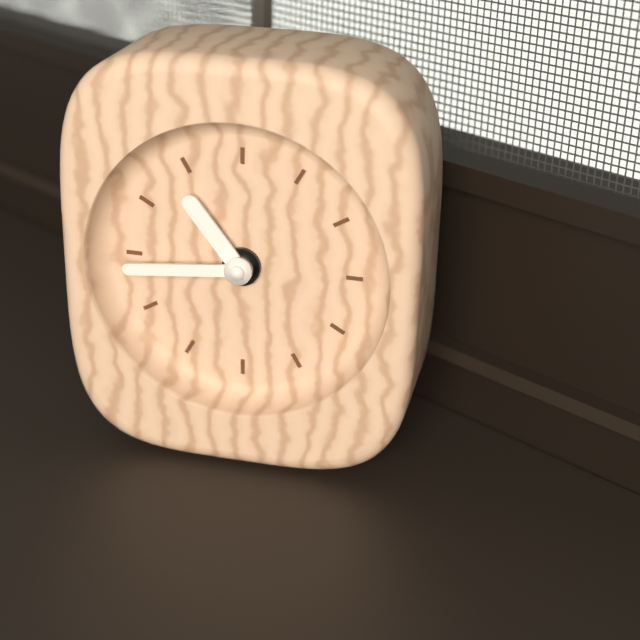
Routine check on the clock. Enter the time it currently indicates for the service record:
10:44
